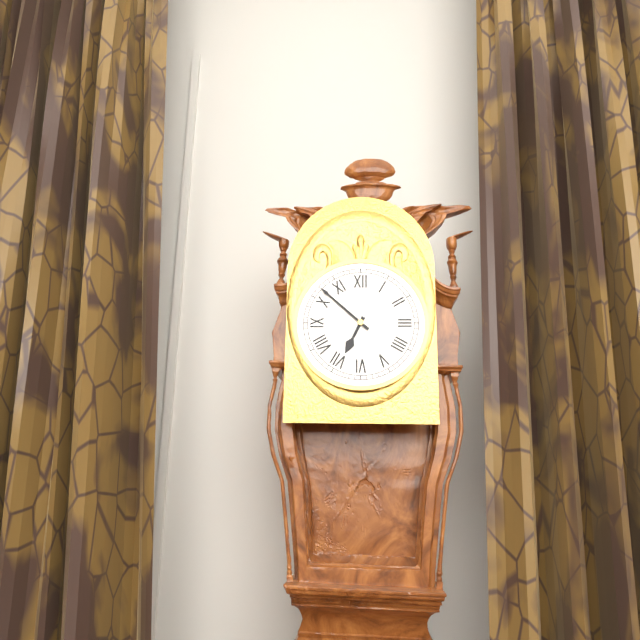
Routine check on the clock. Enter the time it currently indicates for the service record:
6:52
